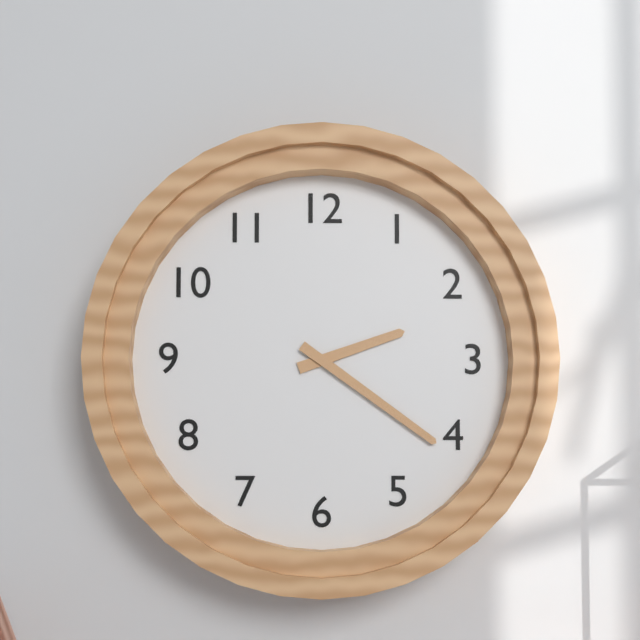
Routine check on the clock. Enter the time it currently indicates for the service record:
2:21
